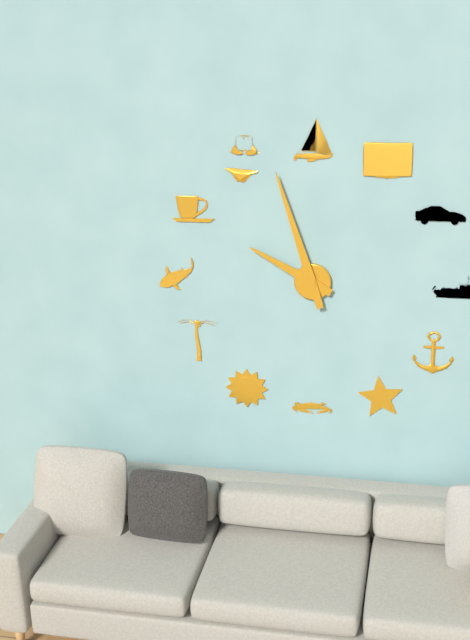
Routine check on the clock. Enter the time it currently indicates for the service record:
9:57
